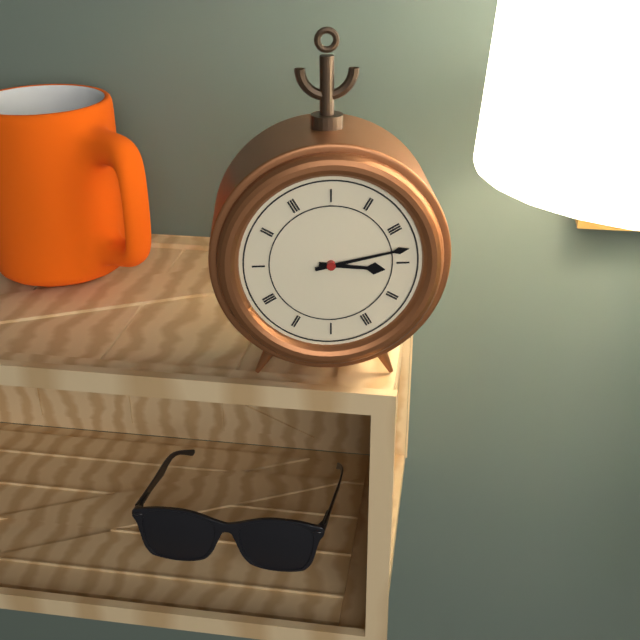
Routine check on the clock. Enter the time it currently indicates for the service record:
3:13
